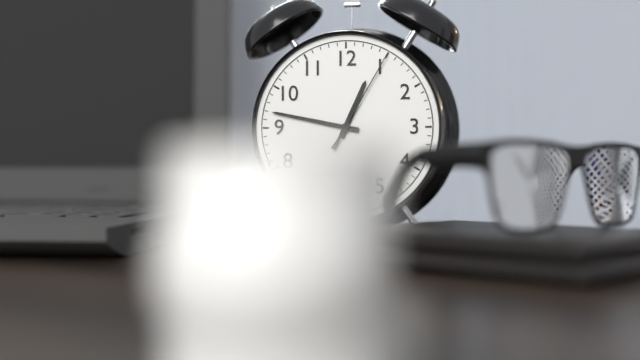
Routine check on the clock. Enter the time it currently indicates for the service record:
12:47:05
